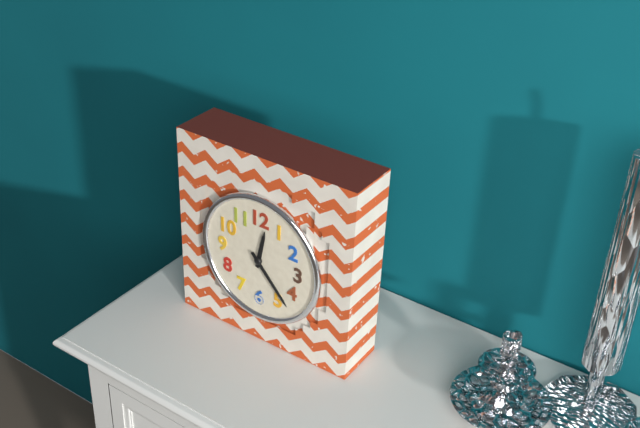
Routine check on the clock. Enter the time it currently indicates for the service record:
12:23
